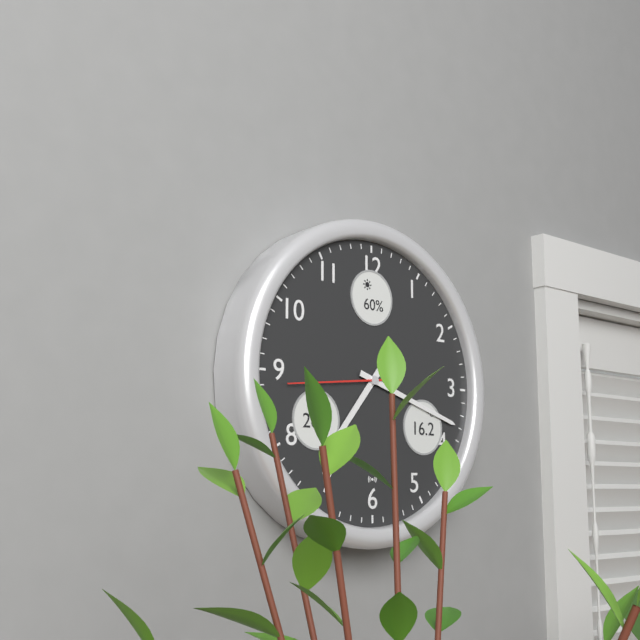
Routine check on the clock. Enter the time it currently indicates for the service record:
7:18:44
